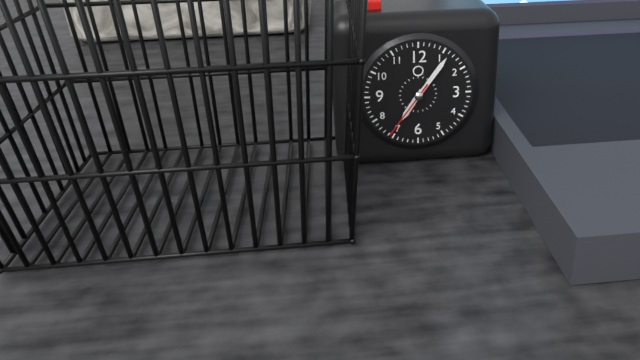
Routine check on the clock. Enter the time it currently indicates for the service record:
7:06:36
